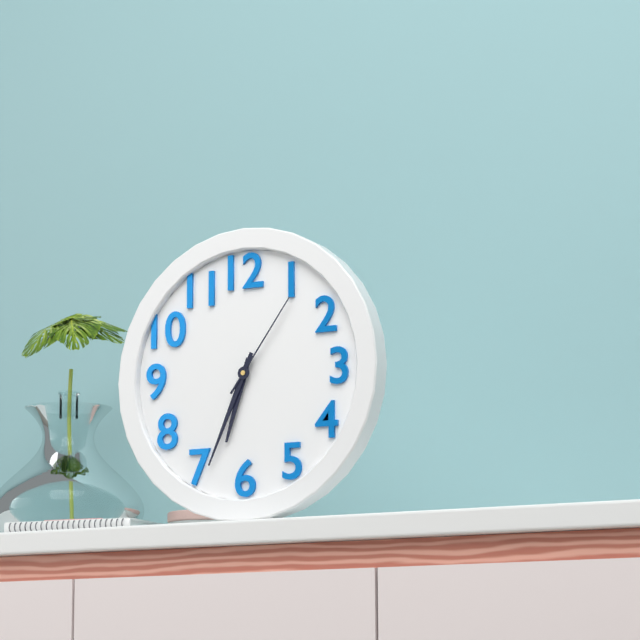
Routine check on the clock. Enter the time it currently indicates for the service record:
6:34:06
